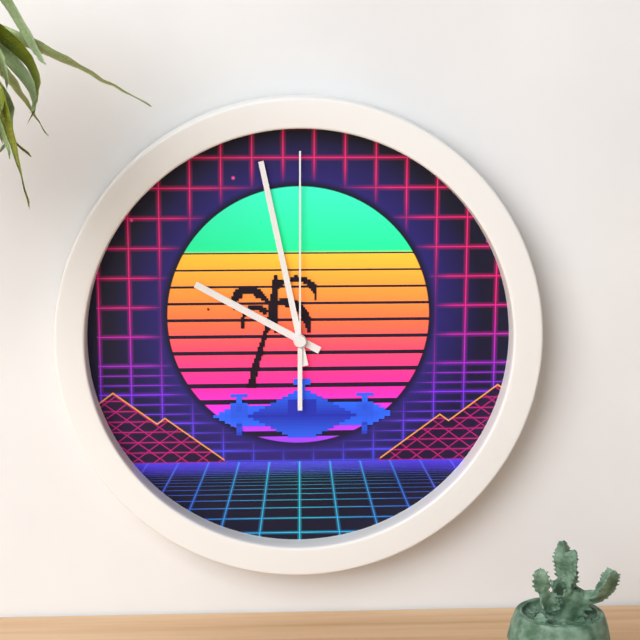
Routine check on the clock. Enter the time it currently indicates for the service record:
9:58:00
